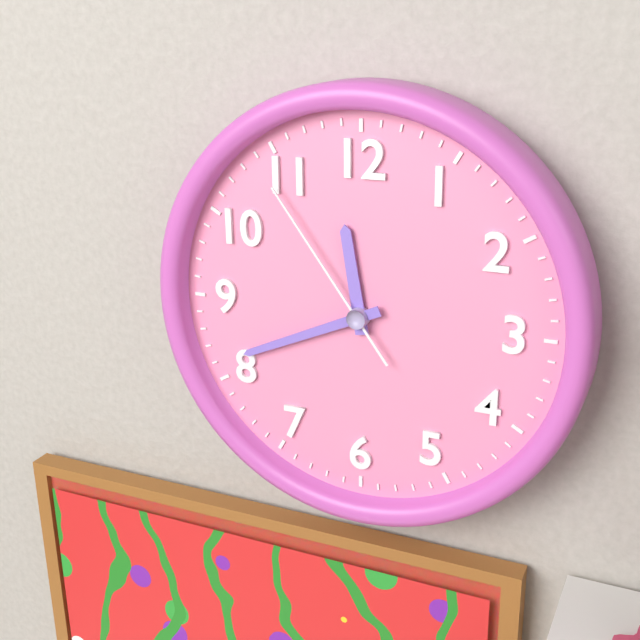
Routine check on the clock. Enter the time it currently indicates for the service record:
11:41:54
